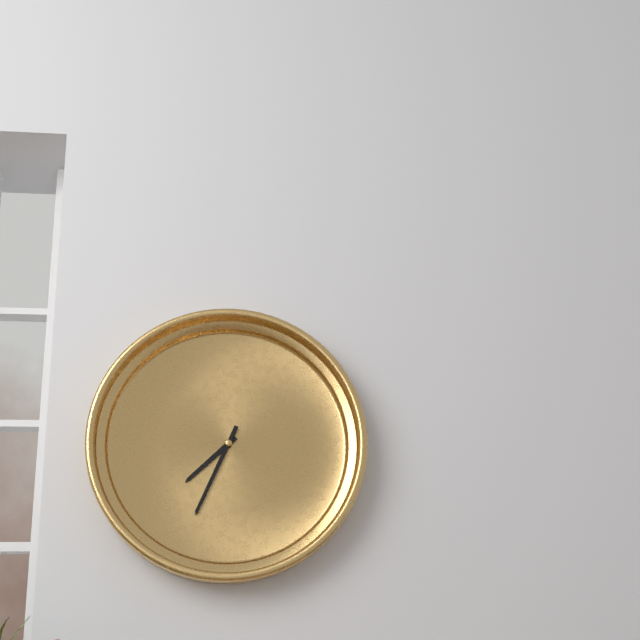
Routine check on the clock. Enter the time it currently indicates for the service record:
7:34
